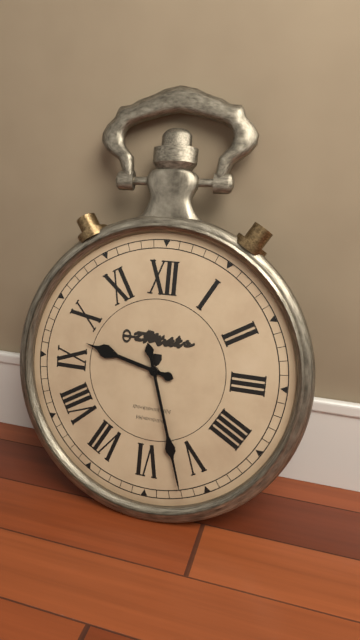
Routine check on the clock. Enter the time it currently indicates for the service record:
9:27
